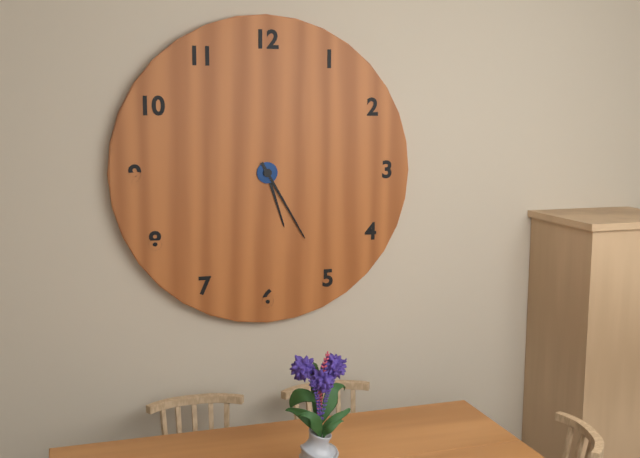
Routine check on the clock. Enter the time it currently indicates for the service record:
5:25
